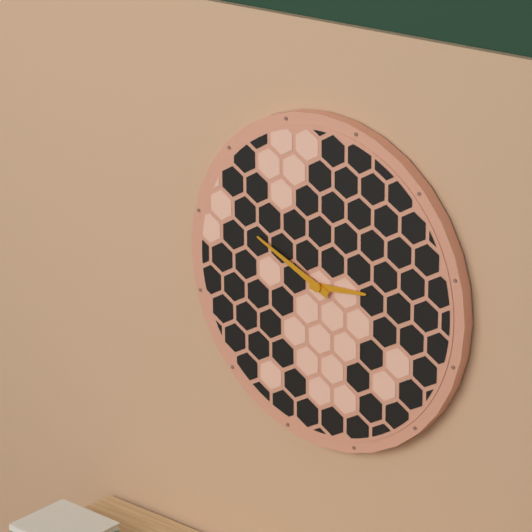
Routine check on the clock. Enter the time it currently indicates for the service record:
2:49
